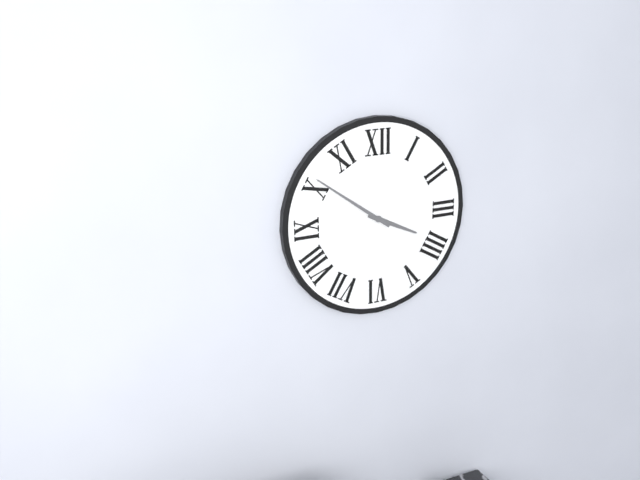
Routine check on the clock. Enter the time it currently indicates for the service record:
3:51
